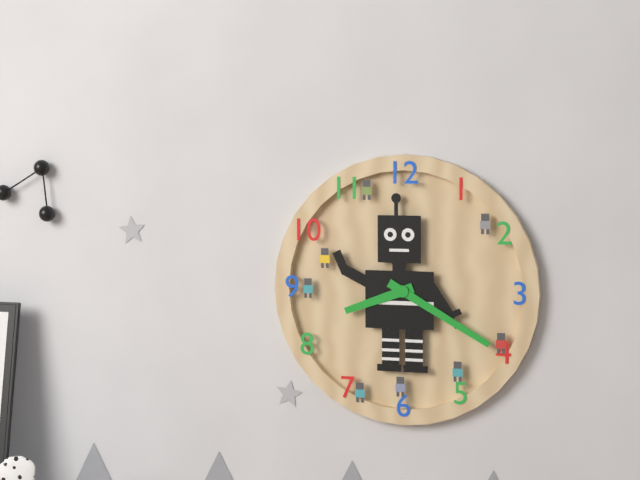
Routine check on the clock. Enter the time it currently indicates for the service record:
8:20
